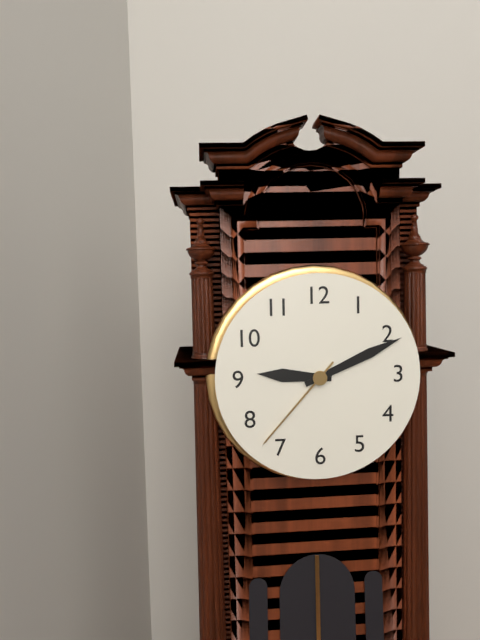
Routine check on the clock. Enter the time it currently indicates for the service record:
9:11:37
